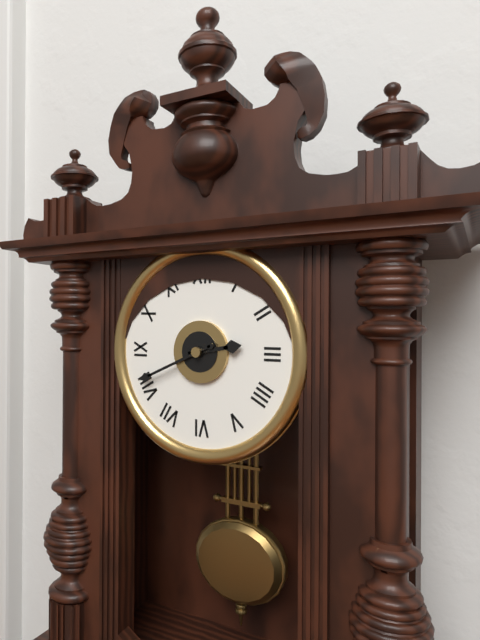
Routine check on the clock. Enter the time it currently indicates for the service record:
2:41
